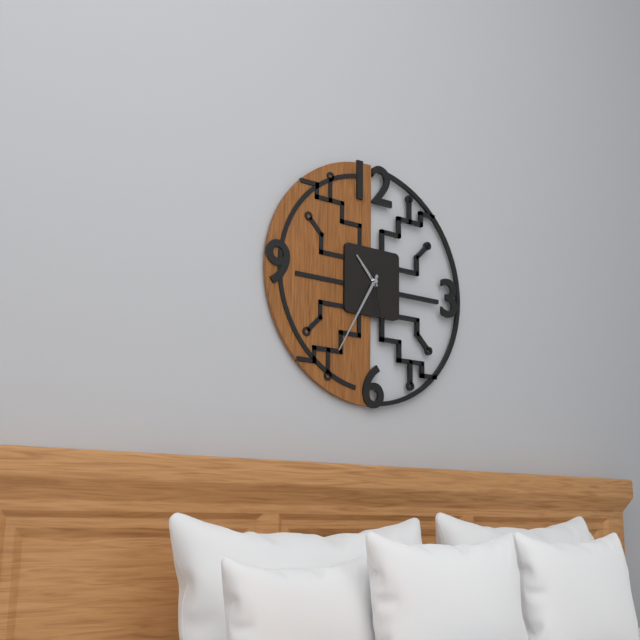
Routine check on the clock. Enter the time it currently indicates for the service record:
10:35:28
